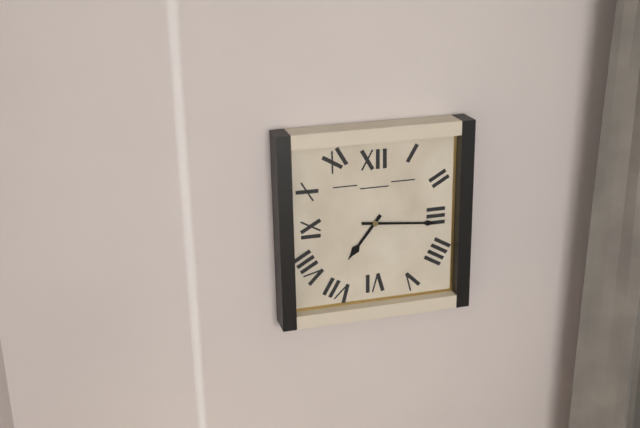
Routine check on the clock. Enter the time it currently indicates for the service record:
7:16
